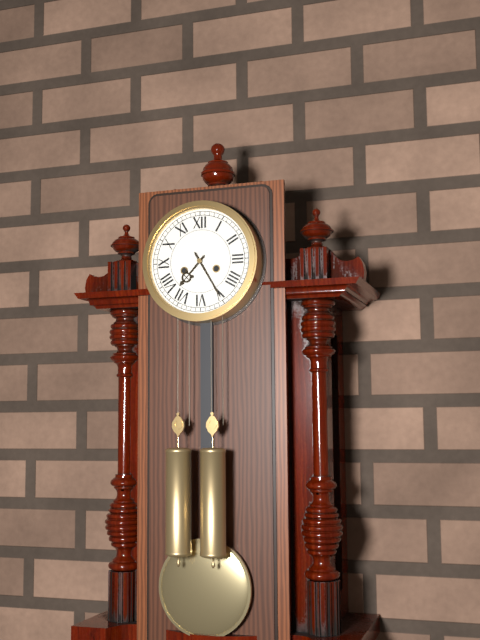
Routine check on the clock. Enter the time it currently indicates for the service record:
7:25
